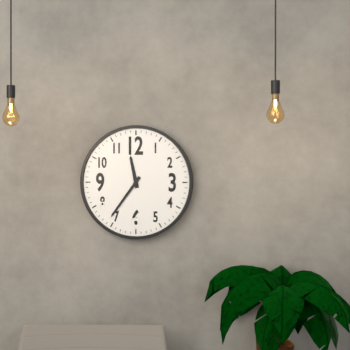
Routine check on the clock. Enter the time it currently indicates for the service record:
11:36
